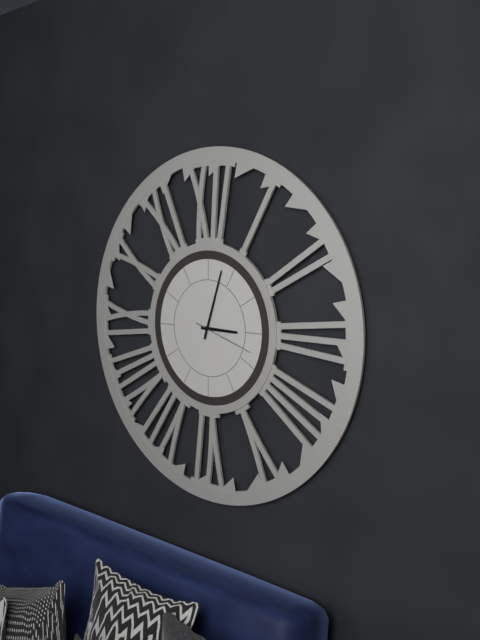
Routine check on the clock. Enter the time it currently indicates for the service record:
3:03:18
